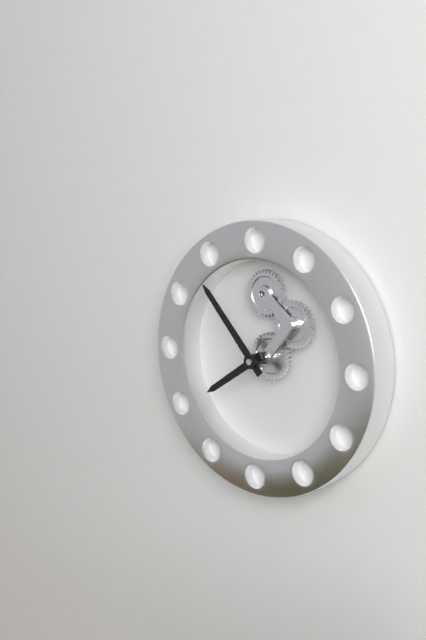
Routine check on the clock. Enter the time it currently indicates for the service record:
7:53
